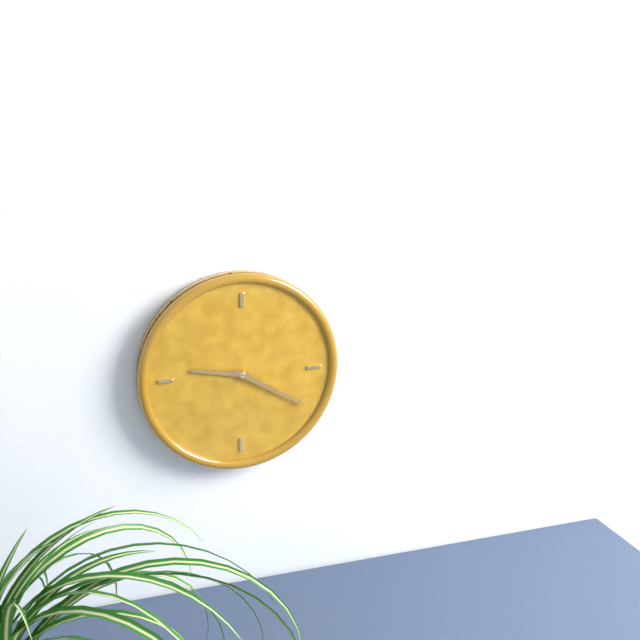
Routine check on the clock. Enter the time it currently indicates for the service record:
9:20
